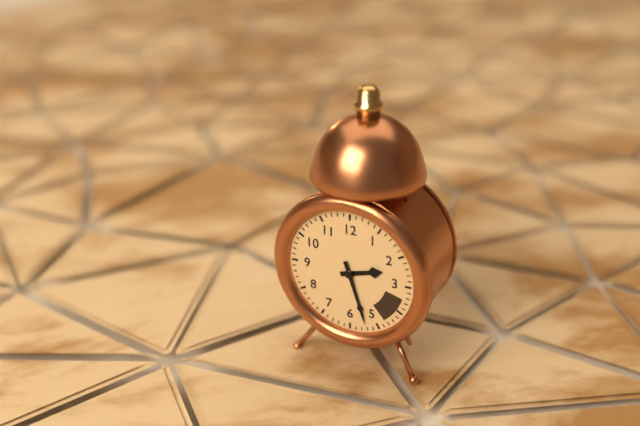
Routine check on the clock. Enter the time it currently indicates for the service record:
2:27
